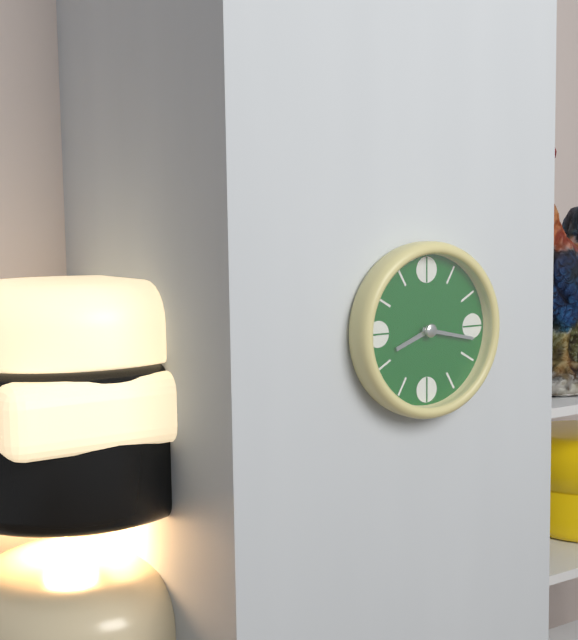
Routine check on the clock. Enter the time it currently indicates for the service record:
8:17
